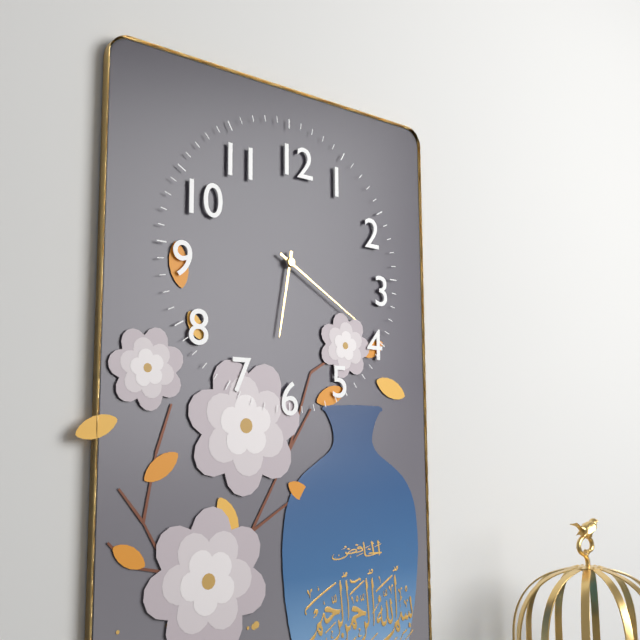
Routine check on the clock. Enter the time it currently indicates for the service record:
6:20
